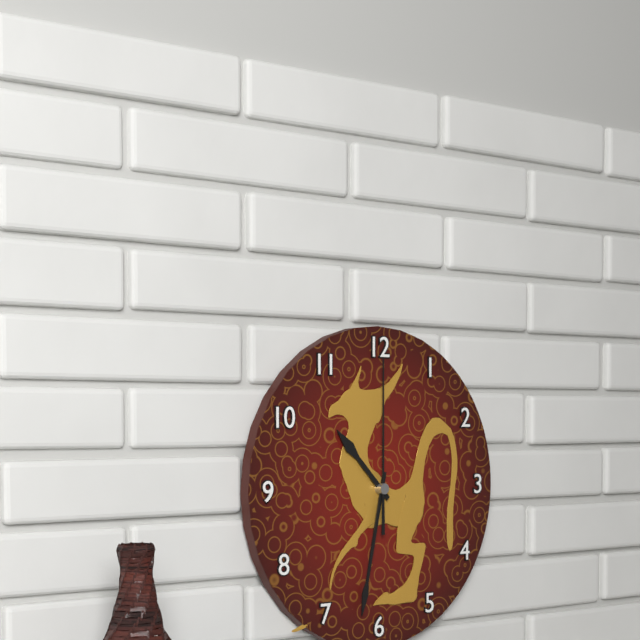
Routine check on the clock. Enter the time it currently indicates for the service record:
10:32:00
